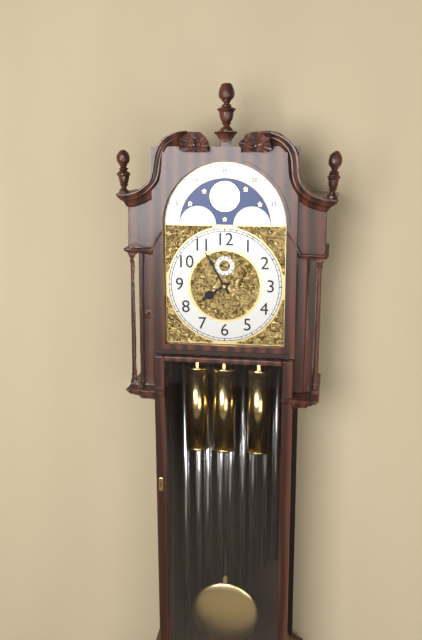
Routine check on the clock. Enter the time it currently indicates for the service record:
7:55
